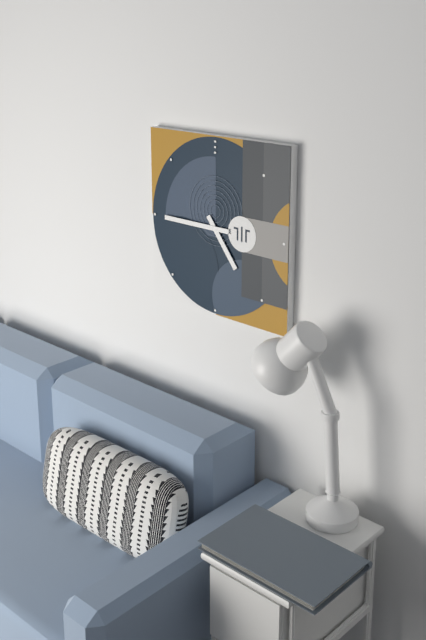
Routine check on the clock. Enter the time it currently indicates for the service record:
4:45
